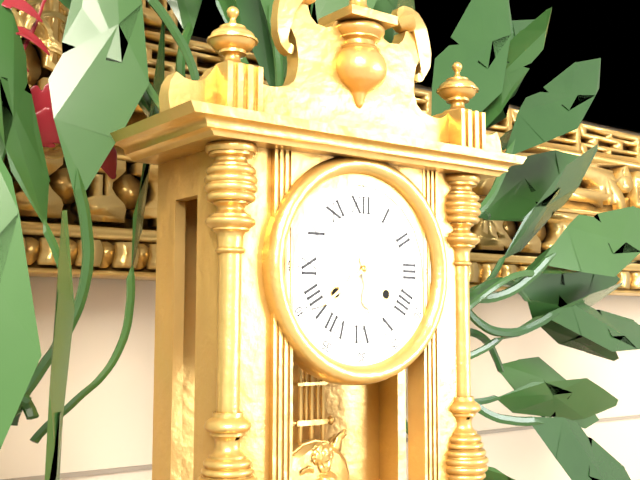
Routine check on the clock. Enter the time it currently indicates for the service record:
5:39
